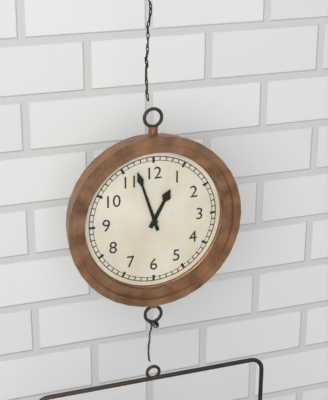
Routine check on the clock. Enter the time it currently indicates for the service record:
12:57
